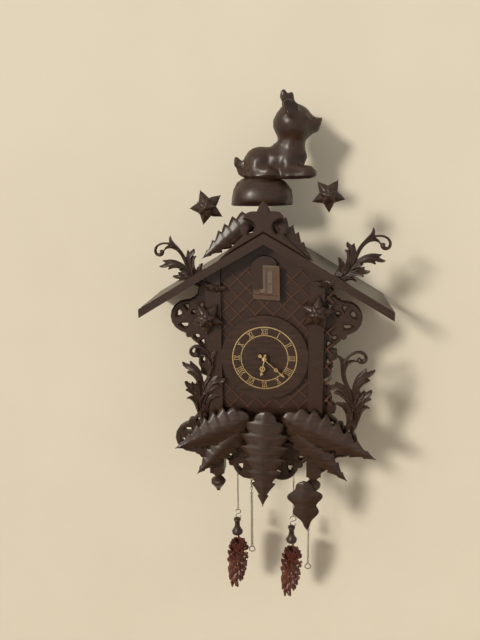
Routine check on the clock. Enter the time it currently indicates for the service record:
6:22
